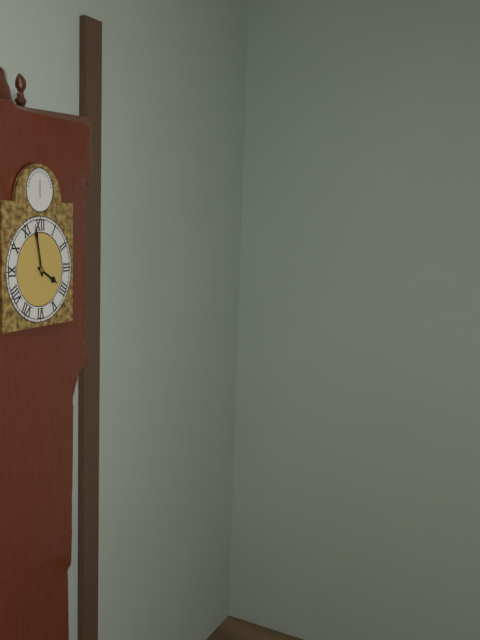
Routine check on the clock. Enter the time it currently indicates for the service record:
3:58
